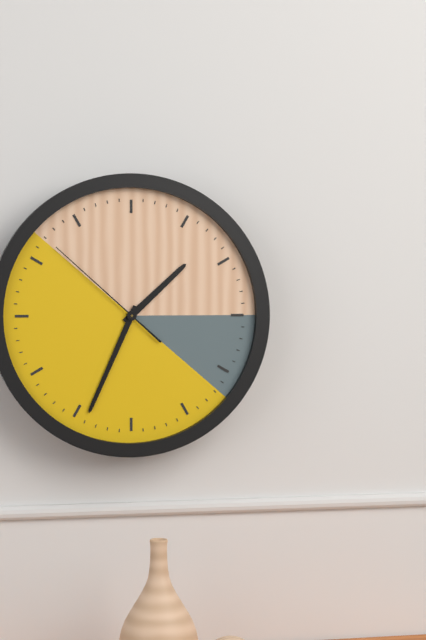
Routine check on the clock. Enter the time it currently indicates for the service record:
1:34:52
